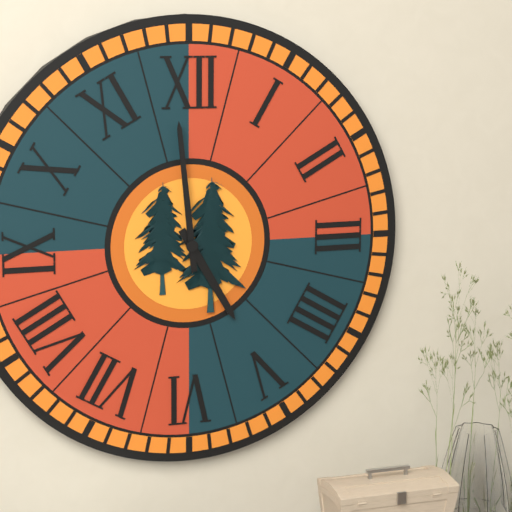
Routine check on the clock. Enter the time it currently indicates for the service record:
4:59
